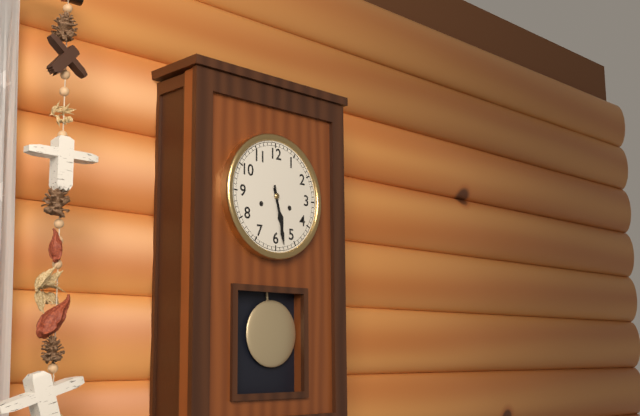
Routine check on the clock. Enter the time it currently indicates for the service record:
5:28
